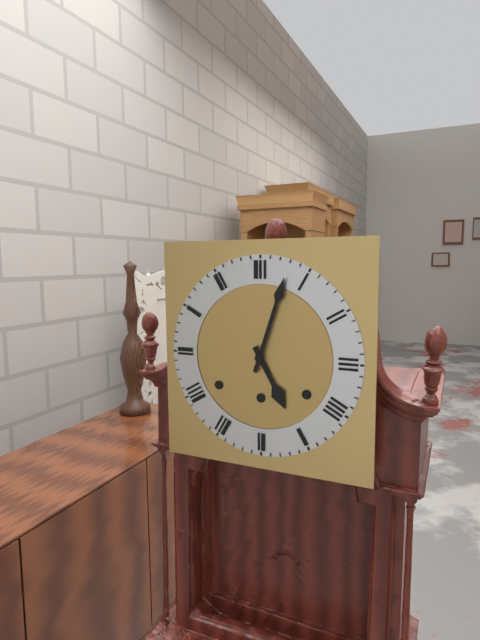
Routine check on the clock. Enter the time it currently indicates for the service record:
5:03
